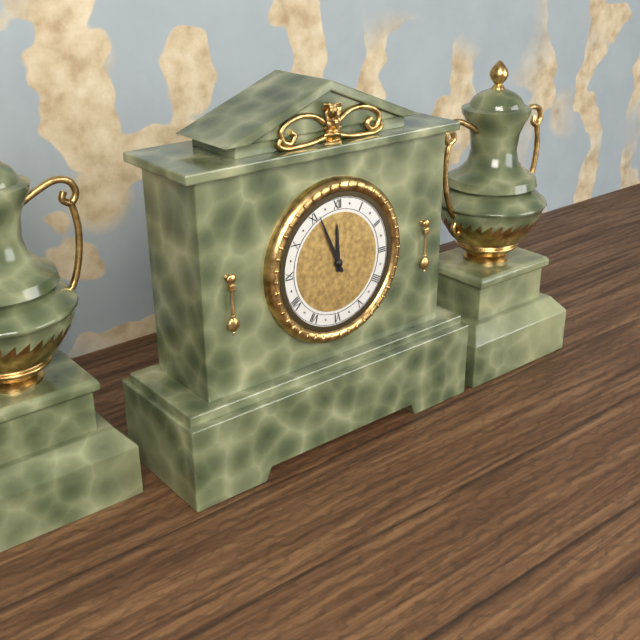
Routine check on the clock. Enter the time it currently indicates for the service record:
11:56
